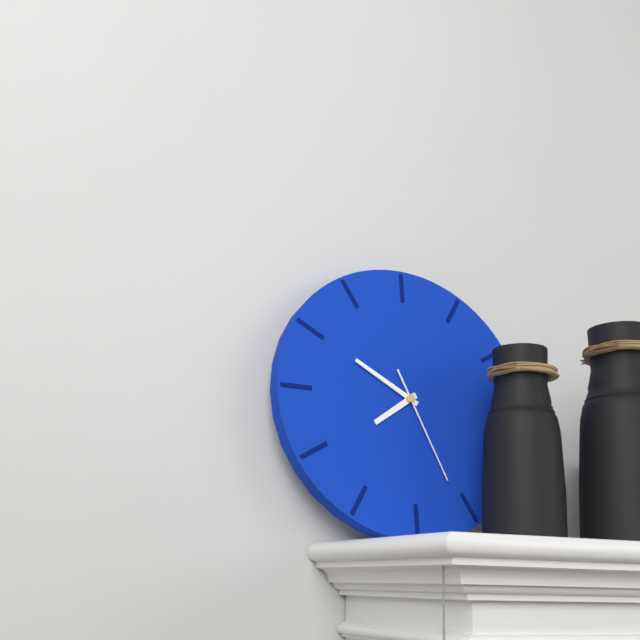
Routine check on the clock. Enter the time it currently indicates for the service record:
7:50:26
